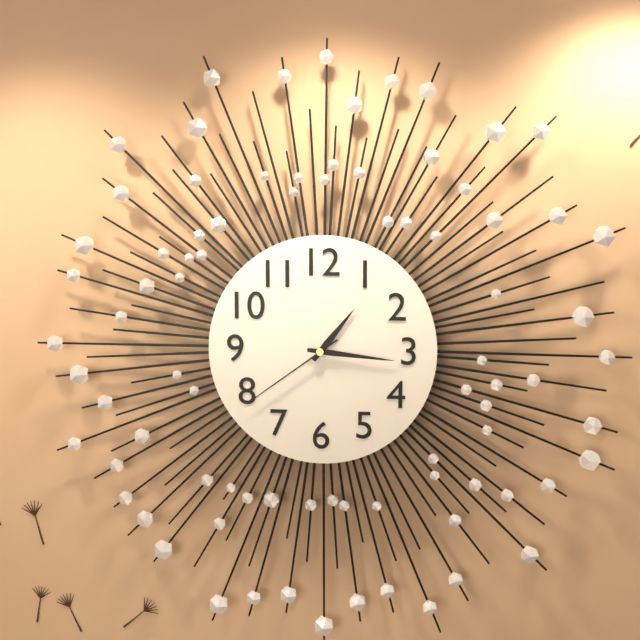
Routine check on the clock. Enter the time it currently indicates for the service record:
1:16:39
